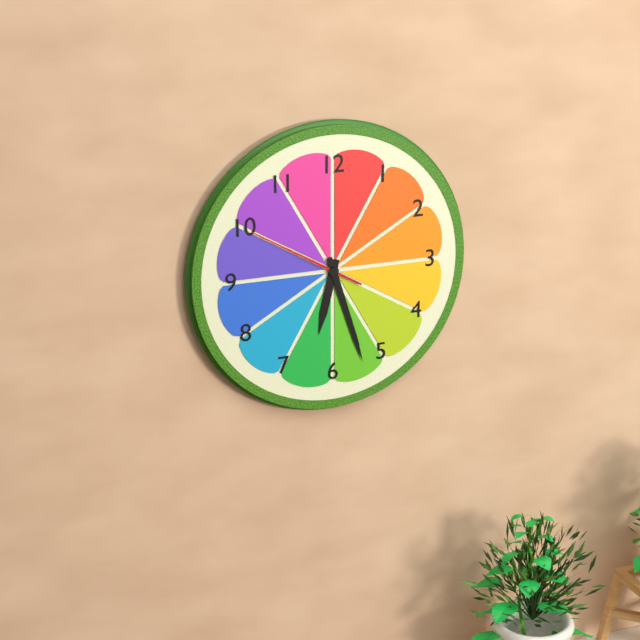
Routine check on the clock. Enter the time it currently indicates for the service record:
6:27:50
